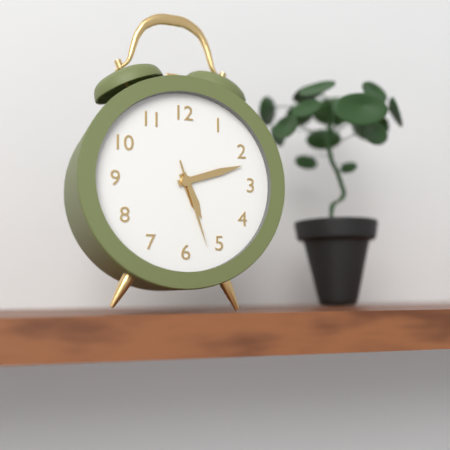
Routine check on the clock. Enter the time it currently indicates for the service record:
5:12:27
